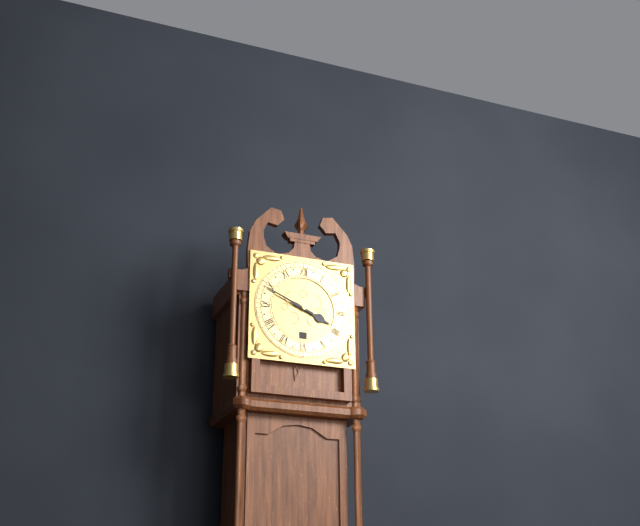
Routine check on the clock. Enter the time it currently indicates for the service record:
3:49
